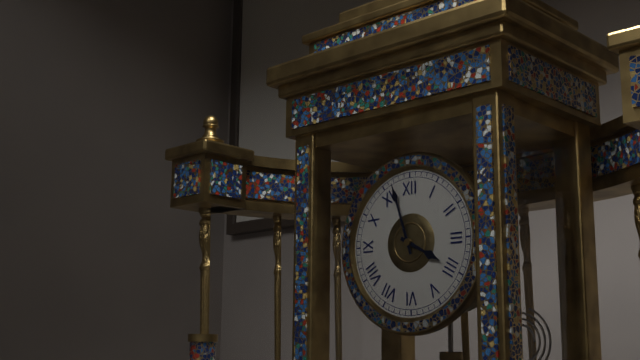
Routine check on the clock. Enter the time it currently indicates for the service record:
3:57
